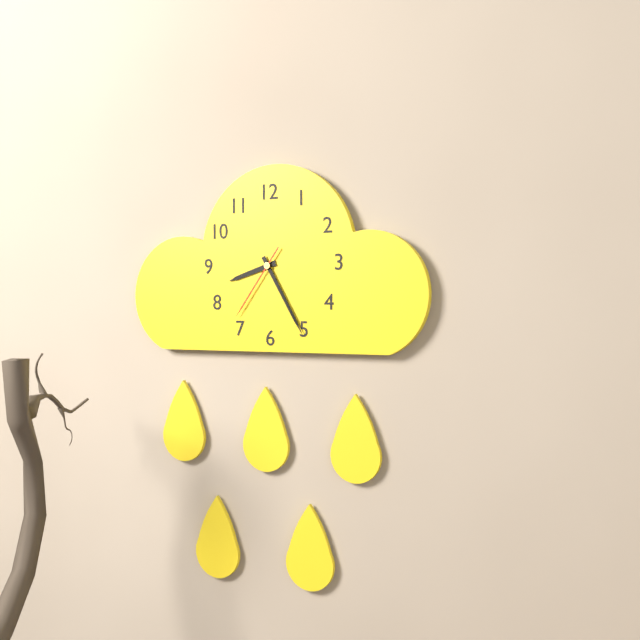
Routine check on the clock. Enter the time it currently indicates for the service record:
8:25:36
